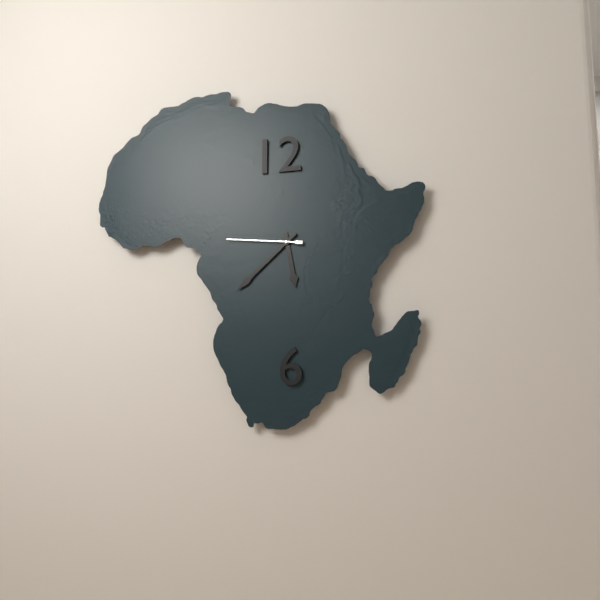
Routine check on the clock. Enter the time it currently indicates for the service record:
5:38:46
